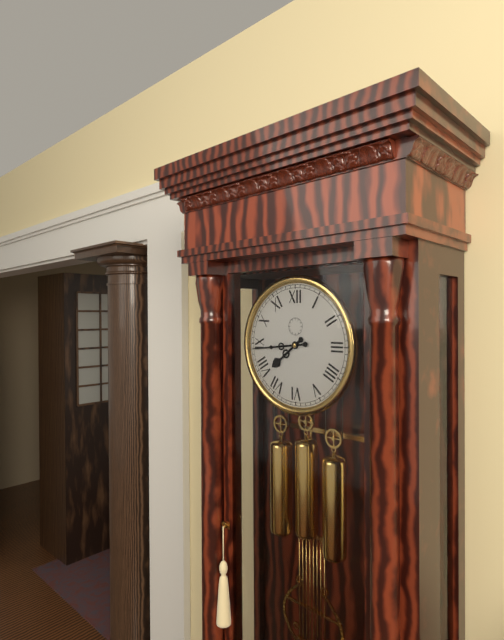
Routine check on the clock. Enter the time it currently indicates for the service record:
7:44
